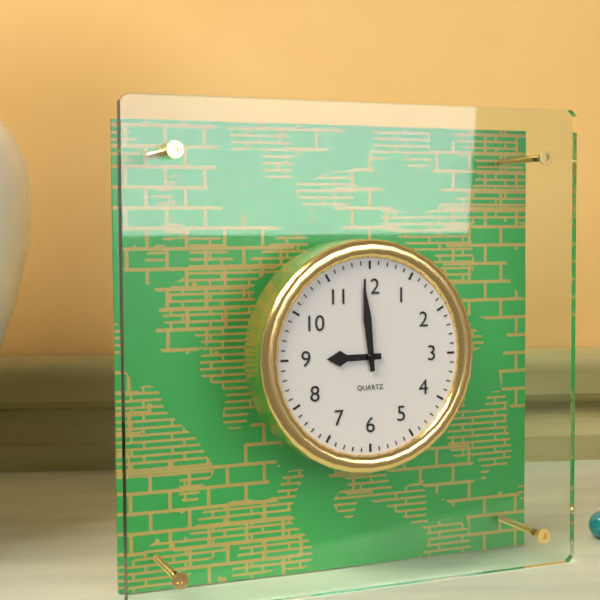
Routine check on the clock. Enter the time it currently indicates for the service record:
8:59
